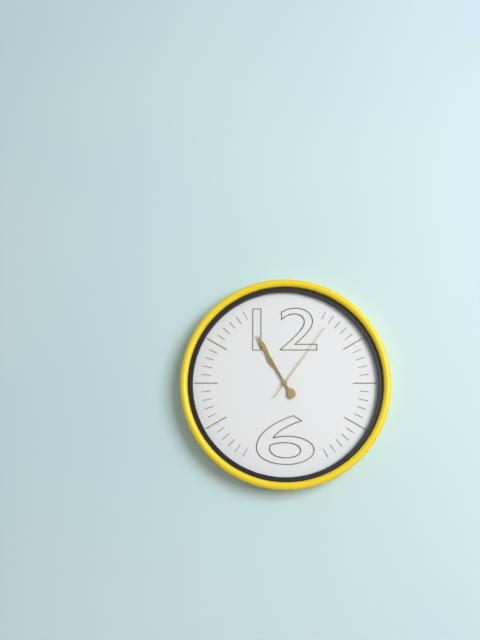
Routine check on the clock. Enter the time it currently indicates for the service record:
10:55:06
